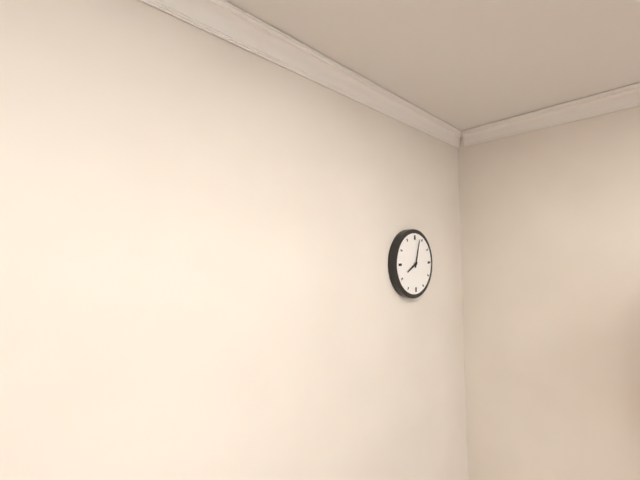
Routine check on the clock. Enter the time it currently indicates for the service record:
8:03
